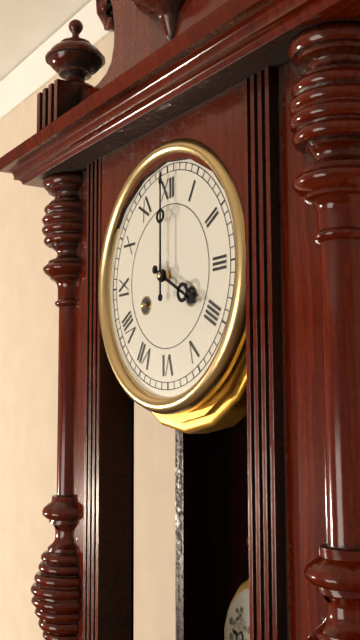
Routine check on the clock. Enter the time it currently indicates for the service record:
4:00
